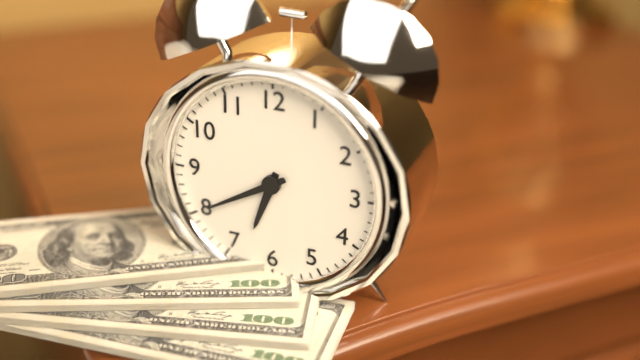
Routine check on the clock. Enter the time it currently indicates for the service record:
6:40
